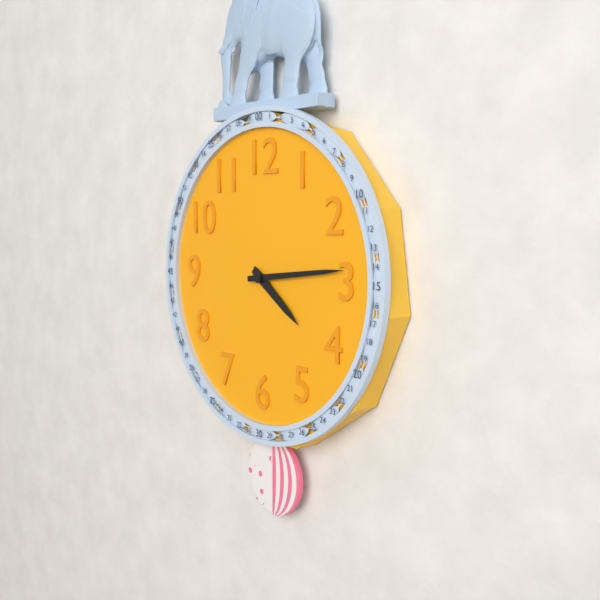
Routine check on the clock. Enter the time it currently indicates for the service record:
4:14
